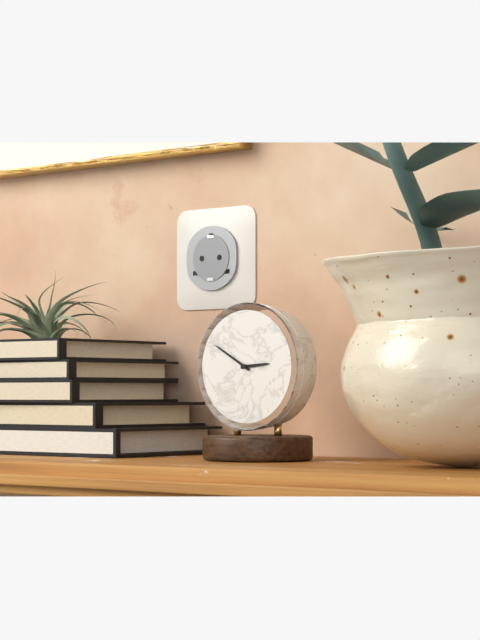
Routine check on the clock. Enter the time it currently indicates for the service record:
2:50
